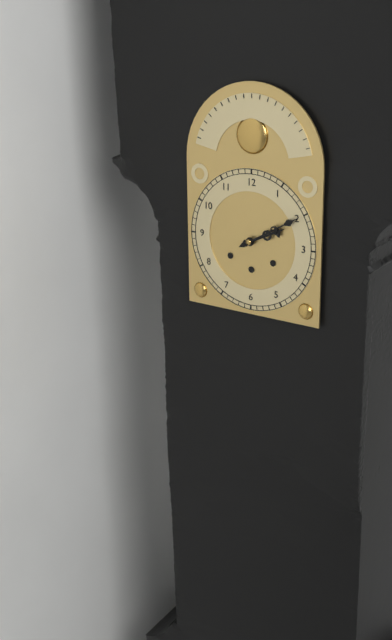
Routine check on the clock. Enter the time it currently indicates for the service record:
2:10
